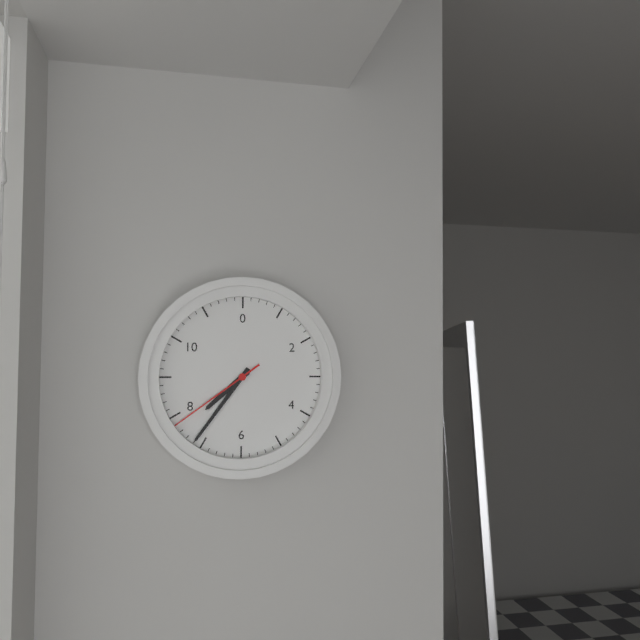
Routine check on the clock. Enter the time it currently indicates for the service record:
7:36:39
